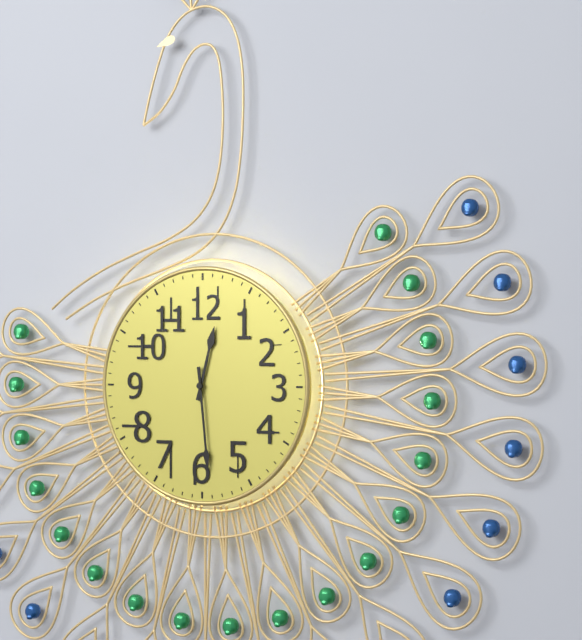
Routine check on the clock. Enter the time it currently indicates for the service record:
12:29
